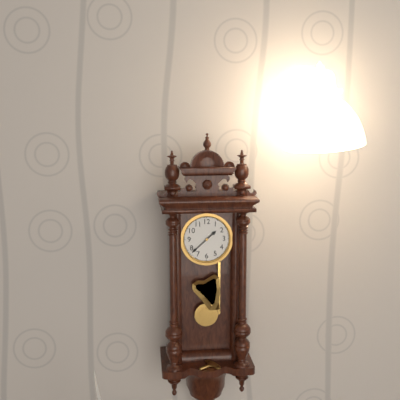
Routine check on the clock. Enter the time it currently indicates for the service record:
1:38
